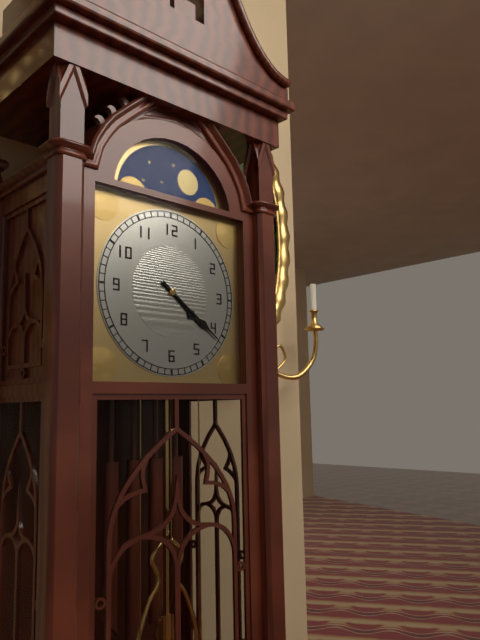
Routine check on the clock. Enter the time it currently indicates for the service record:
4:21
